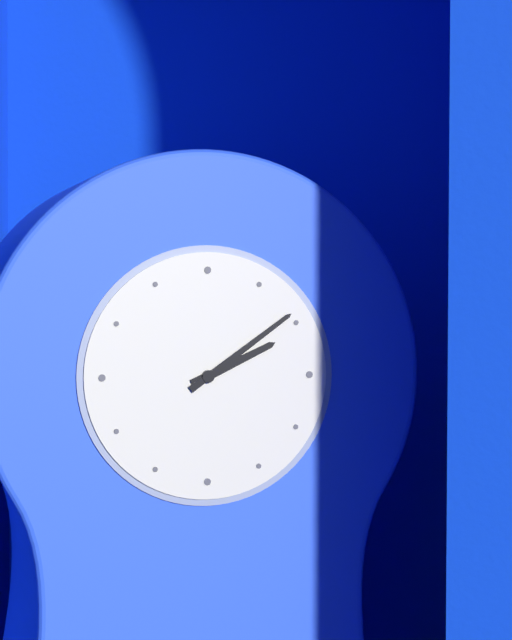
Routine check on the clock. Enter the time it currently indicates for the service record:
2:09
